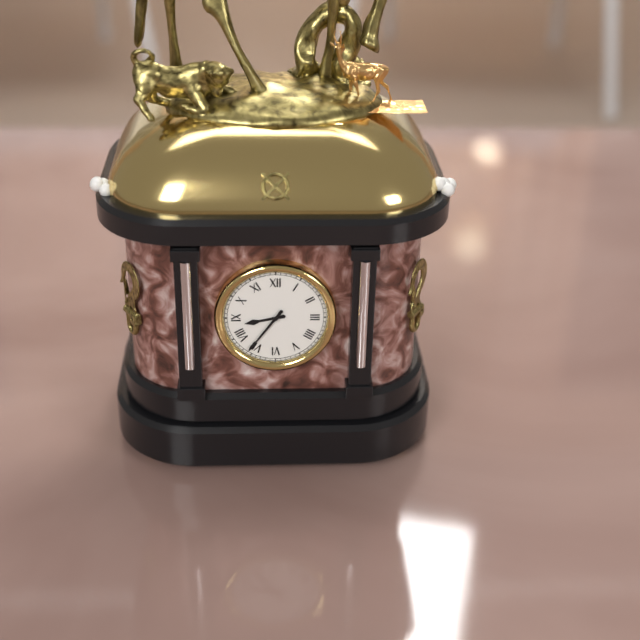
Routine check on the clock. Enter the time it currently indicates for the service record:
8:36
